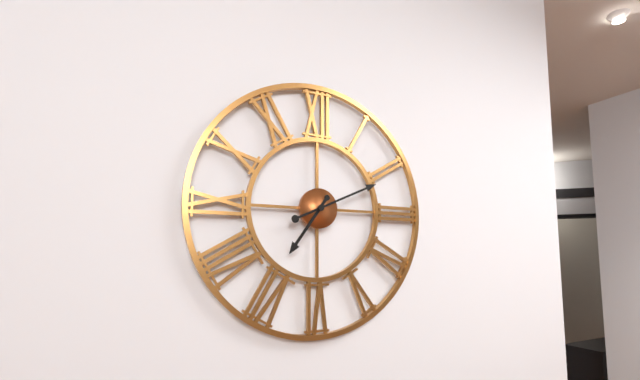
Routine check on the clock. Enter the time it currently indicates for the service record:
7:11
